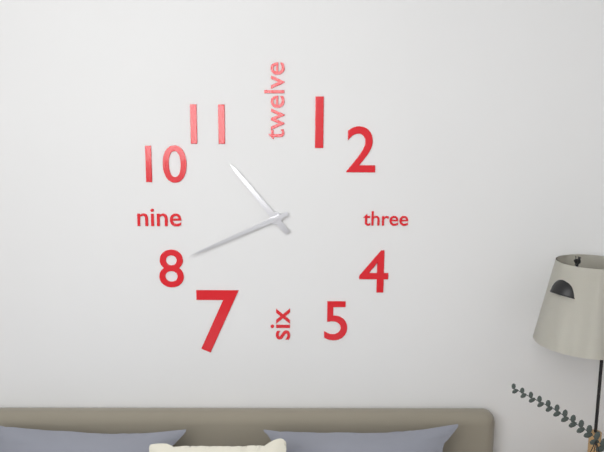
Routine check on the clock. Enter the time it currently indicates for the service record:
10:41
